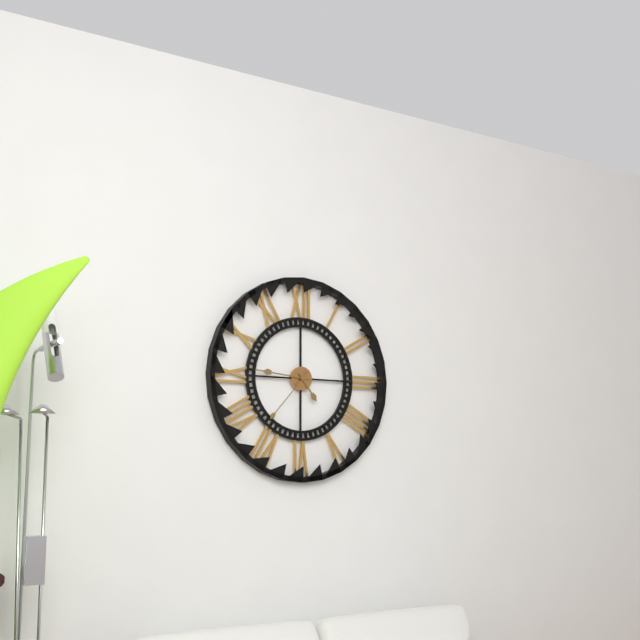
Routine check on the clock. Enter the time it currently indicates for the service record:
4:46:37
